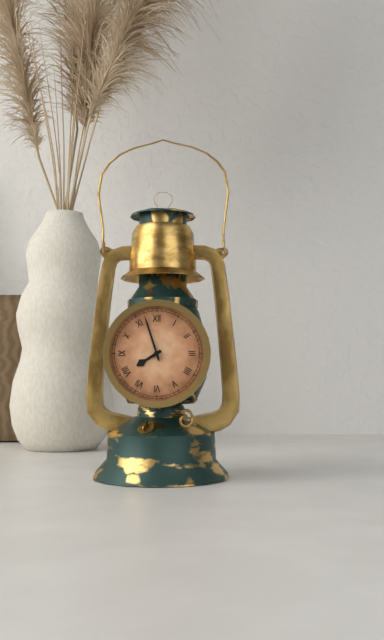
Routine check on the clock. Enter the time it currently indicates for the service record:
7:57
